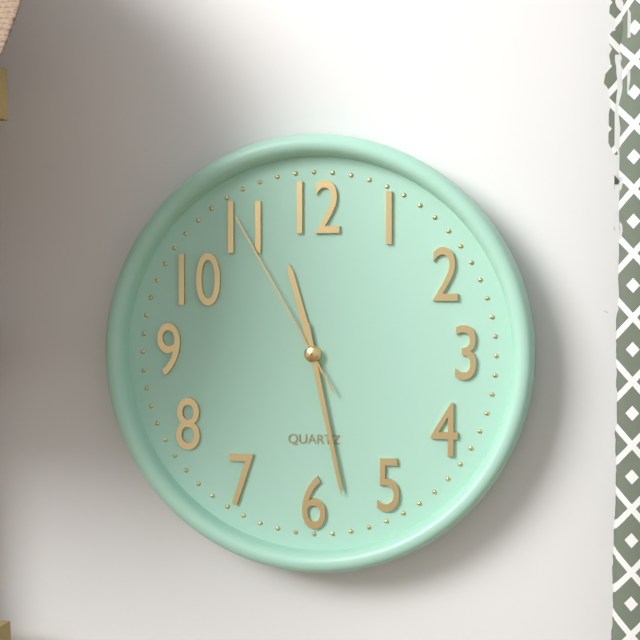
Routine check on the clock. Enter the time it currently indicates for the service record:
11:28:55
